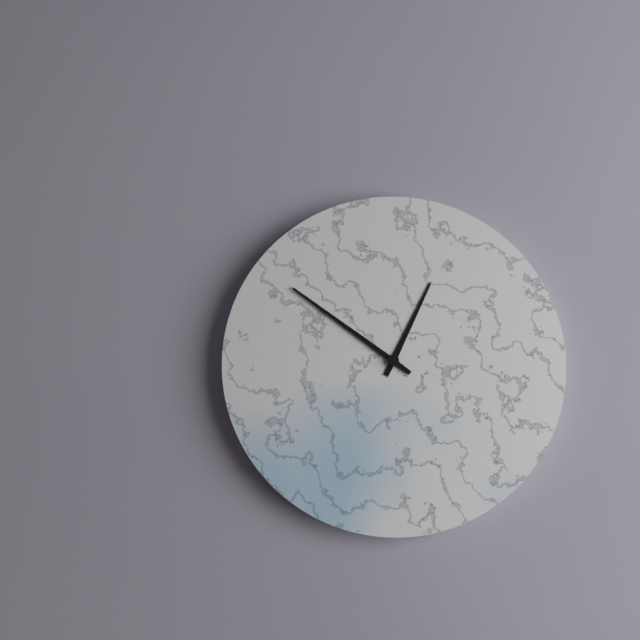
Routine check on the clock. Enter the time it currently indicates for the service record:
12:51
